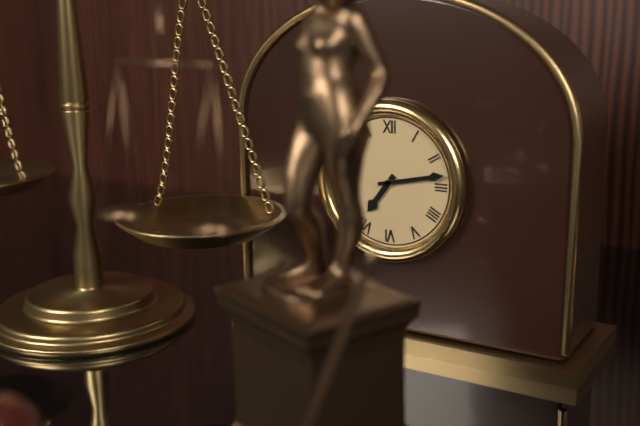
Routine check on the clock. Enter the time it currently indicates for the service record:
7:13
